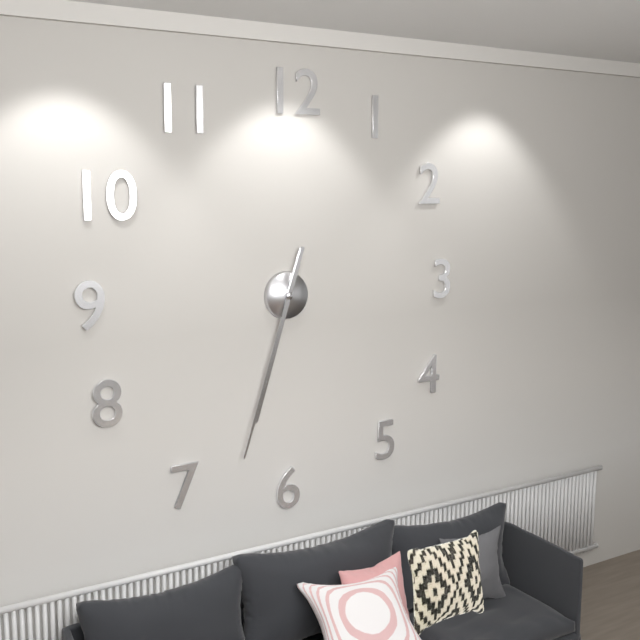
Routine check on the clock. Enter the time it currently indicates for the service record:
6:33
